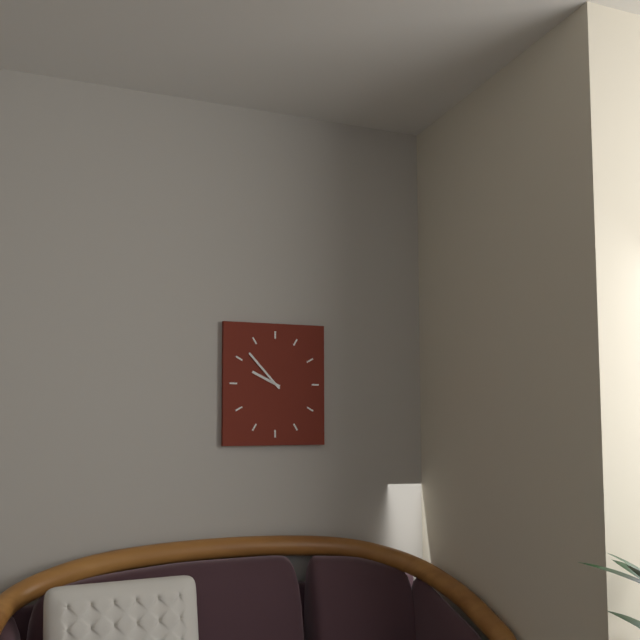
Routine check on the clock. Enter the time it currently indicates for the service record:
9:53
